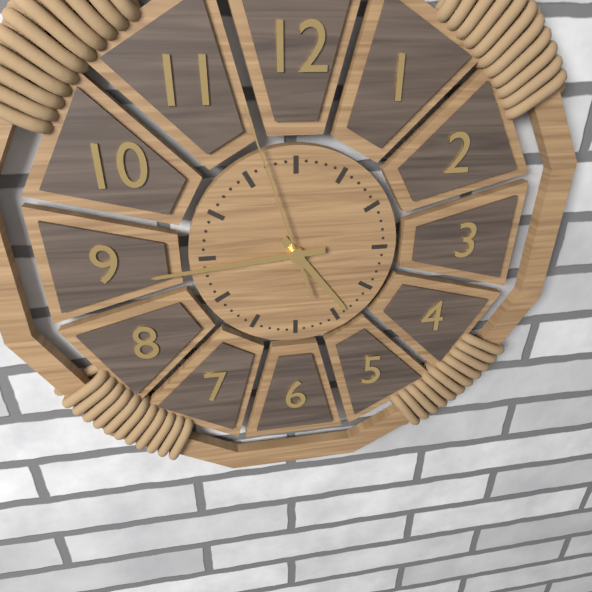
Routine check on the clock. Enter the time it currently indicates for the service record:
4:44:57
